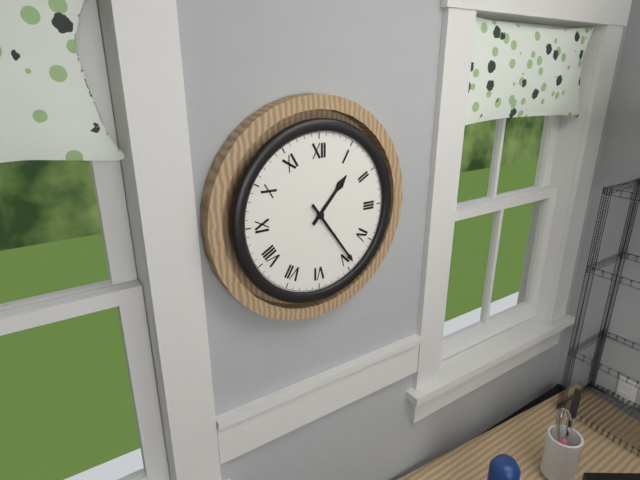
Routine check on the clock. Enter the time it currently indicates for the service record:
1:24
